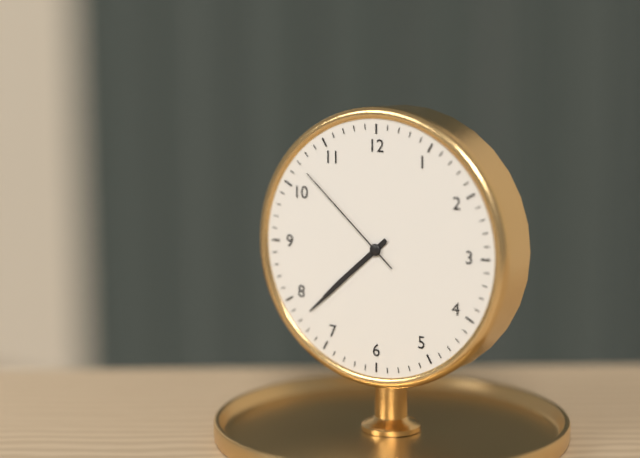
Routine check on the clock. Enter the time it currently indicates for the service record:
7:38:52
